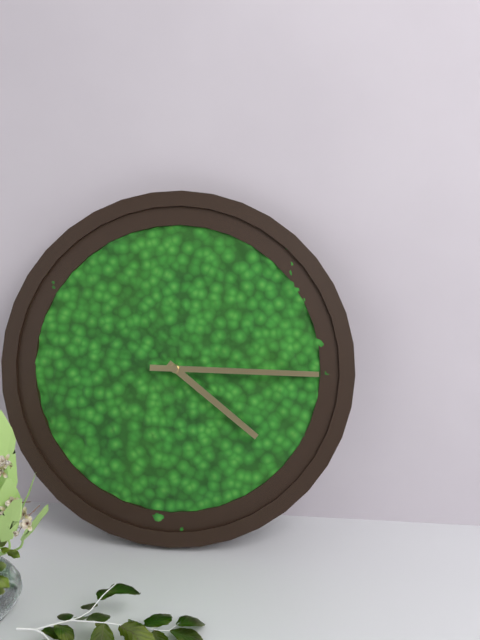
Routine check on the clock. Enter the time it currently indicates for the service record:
4:15
